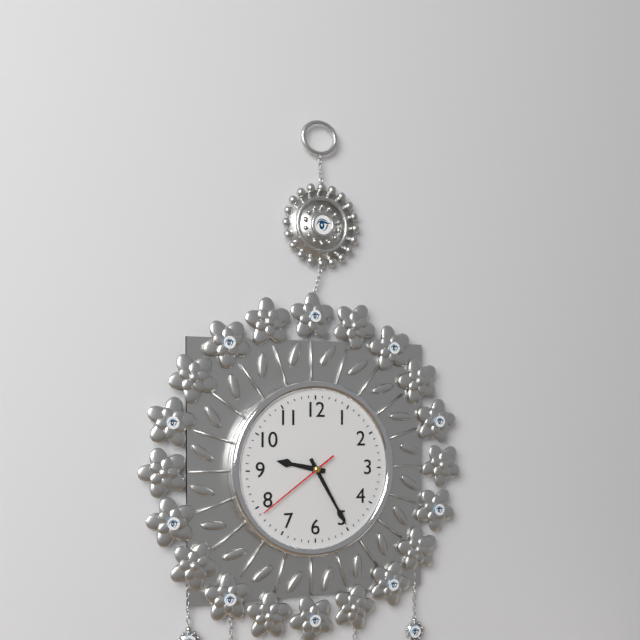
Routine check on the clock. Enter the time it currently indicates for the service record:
9:25:39
